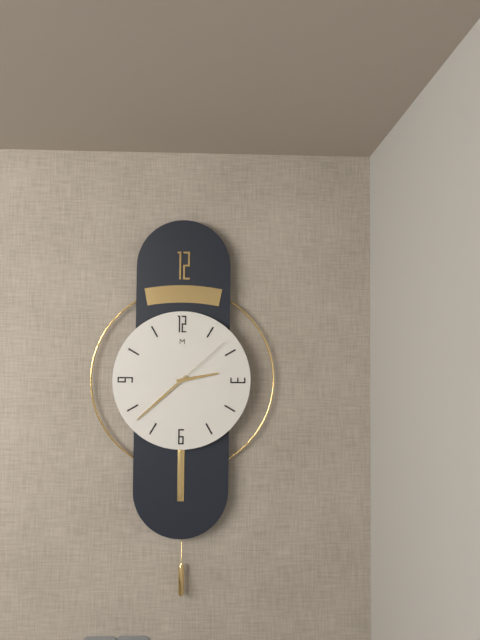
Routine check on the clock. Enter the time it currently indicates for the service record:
2:38:08
